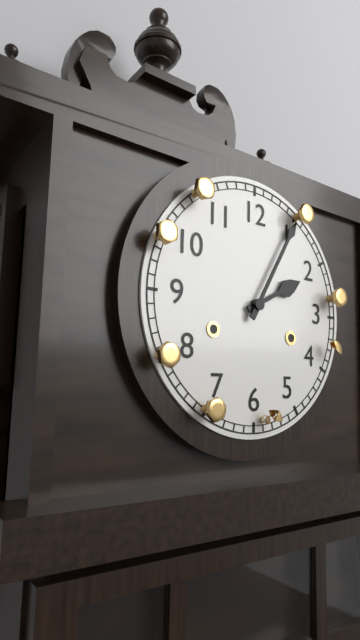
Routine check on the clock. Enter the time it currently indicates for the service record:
2:05
